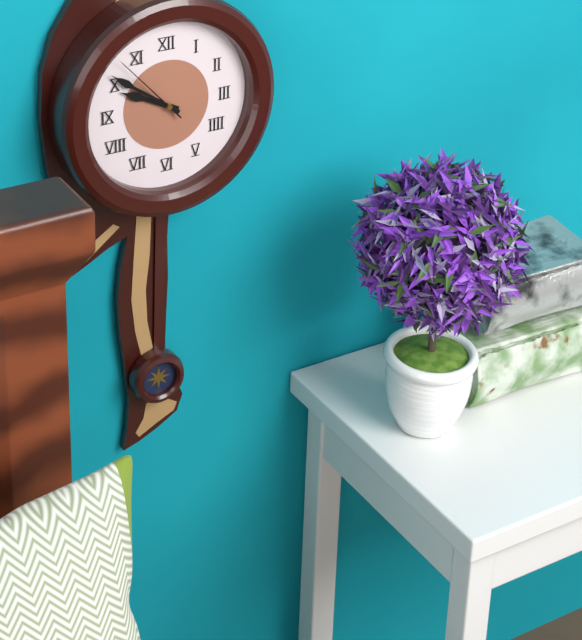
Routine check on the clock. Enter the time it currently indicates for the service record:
9:51:53
